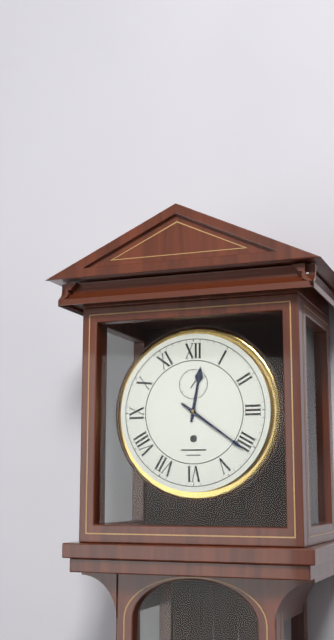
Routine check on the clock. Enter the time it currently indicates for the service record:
12:21
